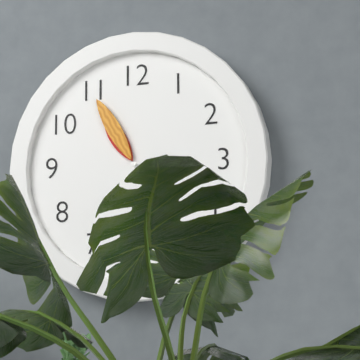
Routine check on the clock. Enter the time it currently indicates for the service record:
10:55
